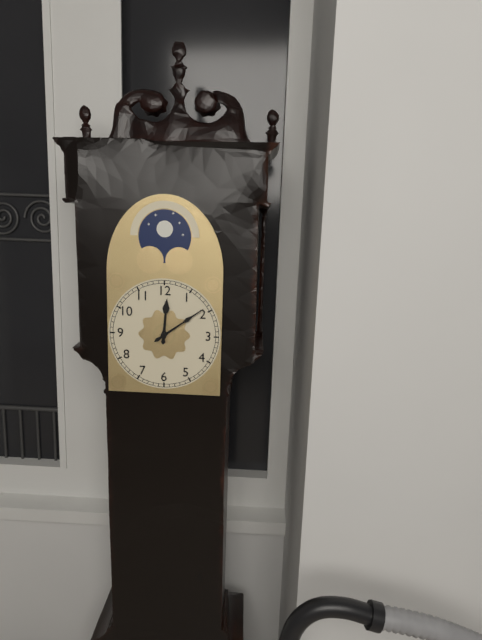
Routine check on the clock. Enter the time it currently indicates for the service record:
12:09
